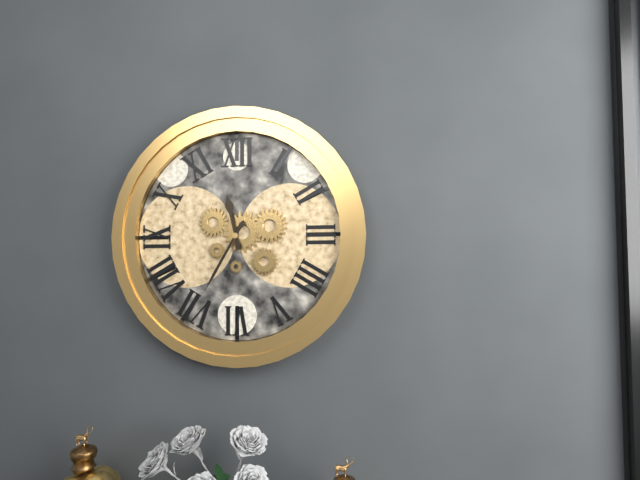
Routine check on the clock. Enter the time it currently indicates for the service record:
11:35
